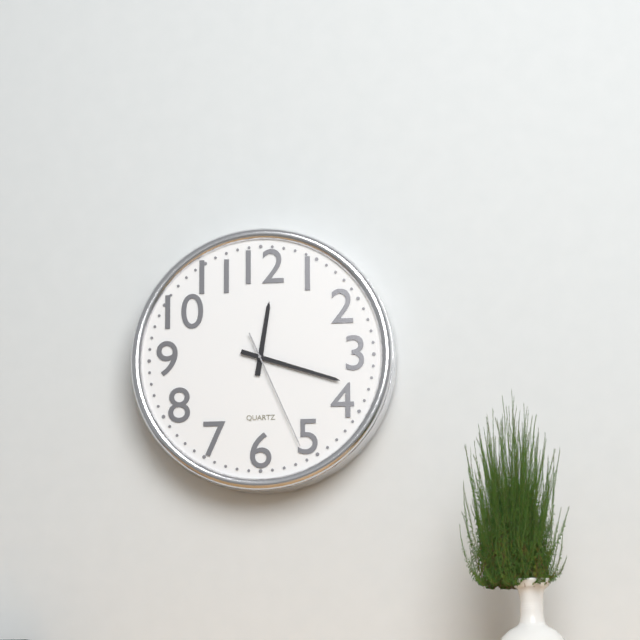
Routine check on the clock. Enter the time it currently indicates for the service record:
12:18:26
